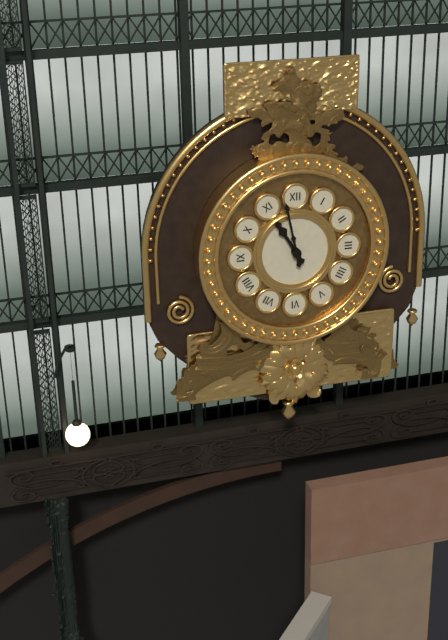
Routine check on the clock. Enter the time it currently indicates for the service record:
10:58
